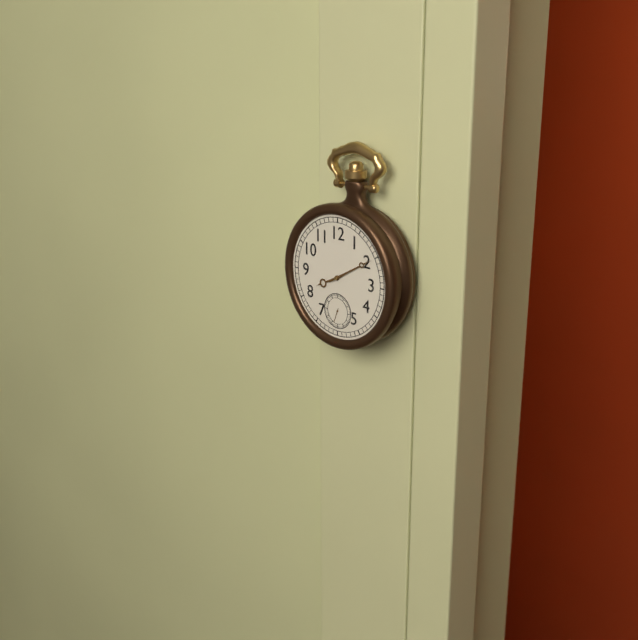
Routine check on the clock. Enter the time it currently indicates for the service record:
8:10
